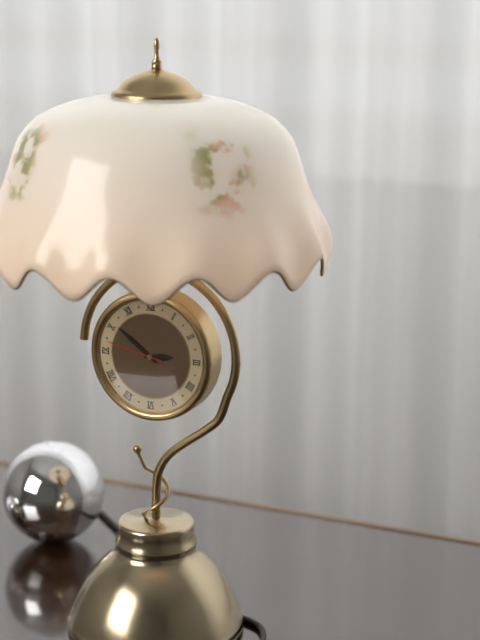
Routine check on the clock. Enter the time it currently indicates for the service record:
2:51:47
